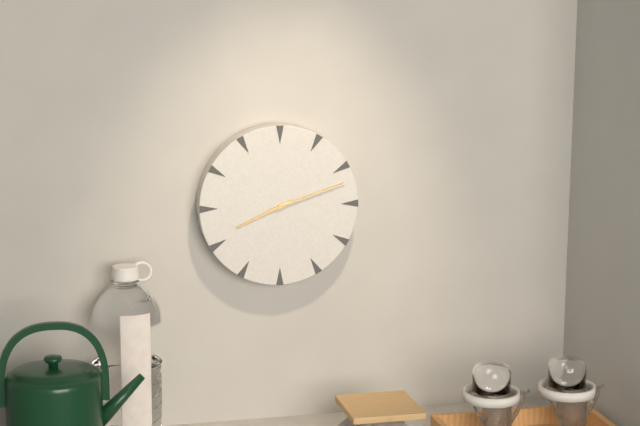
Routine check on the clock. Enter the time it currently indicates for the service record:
8:12
